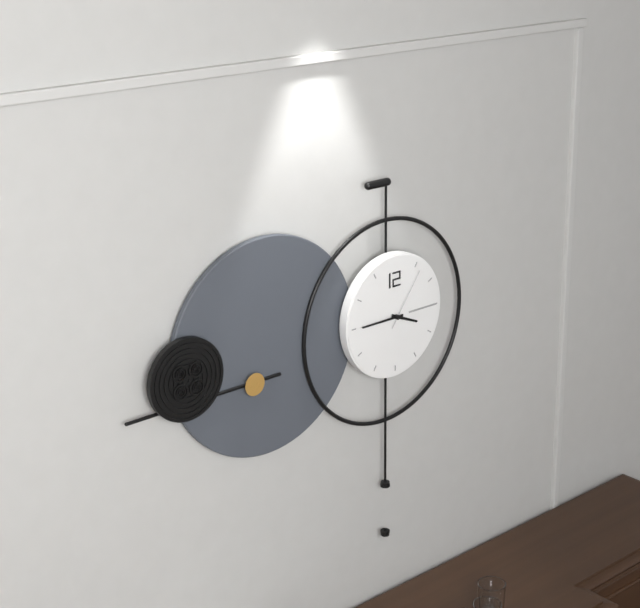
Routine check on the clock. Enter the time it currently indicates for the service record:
3:45:06
